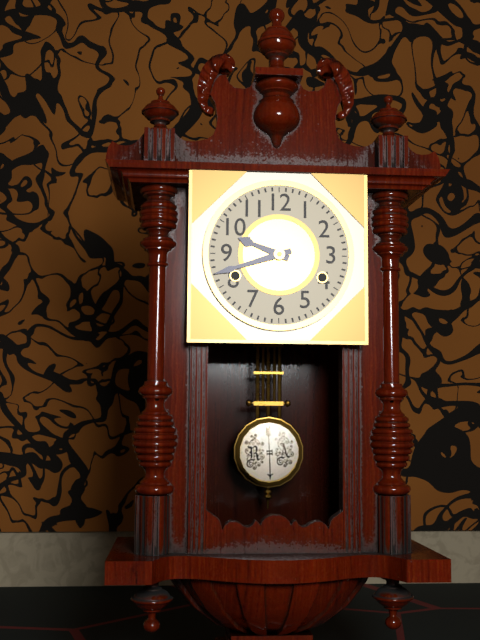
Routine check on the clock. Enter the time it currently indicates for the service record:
9:42
